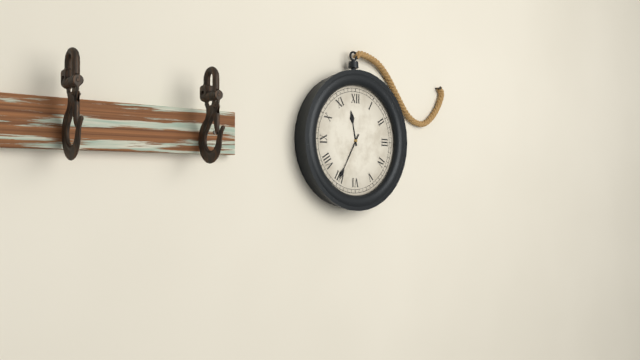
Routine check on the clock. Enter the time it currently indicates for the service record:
11:35
